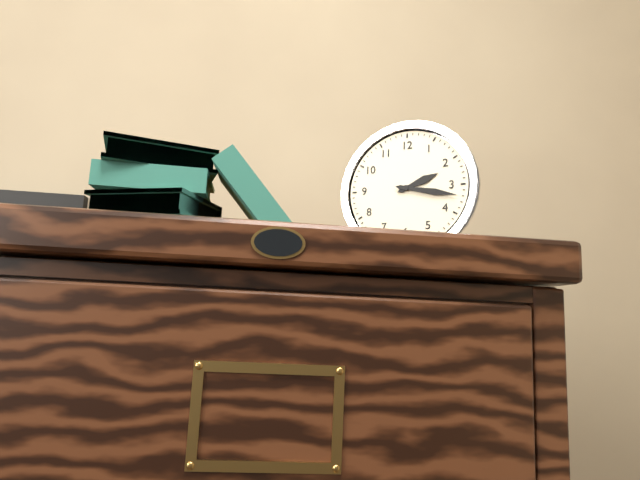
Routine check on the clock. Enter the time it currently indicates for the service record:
2:17
